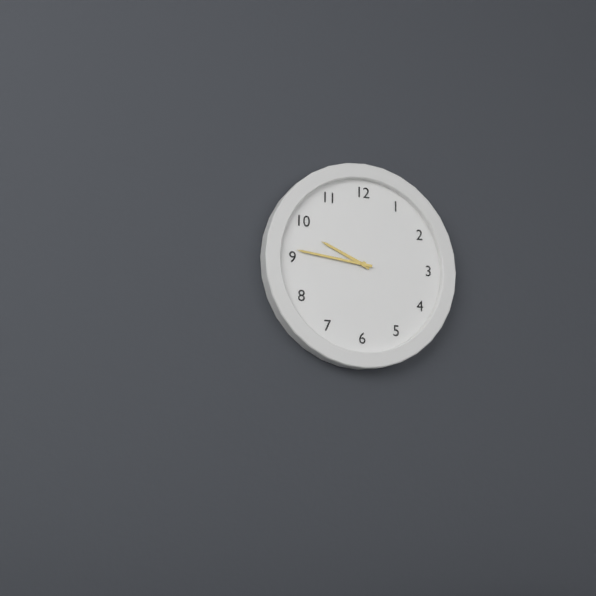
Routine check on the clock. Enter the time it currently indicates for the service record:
9:46
